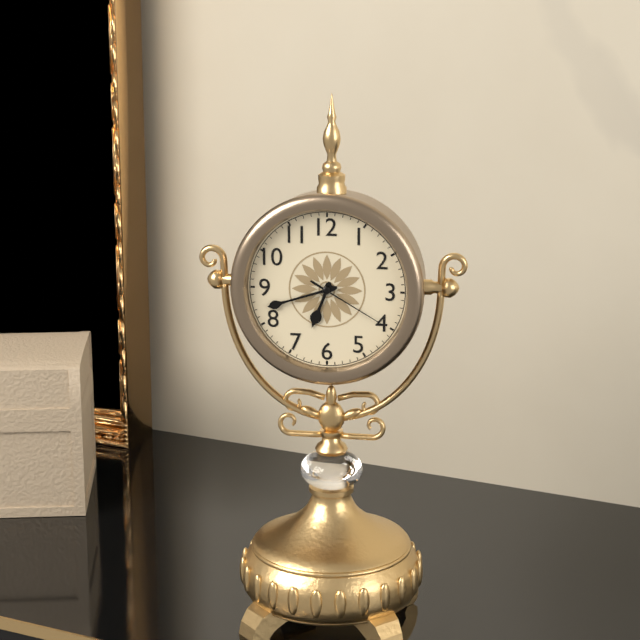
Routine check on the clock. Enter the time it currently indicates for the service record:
6:42:20
